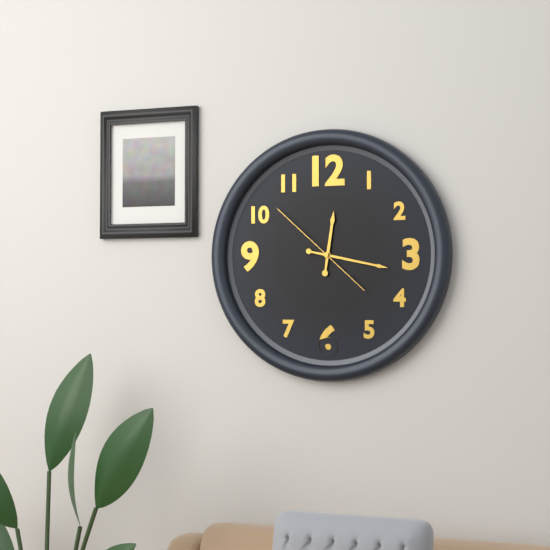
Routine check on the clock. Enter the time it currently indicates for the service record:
12:17:52
